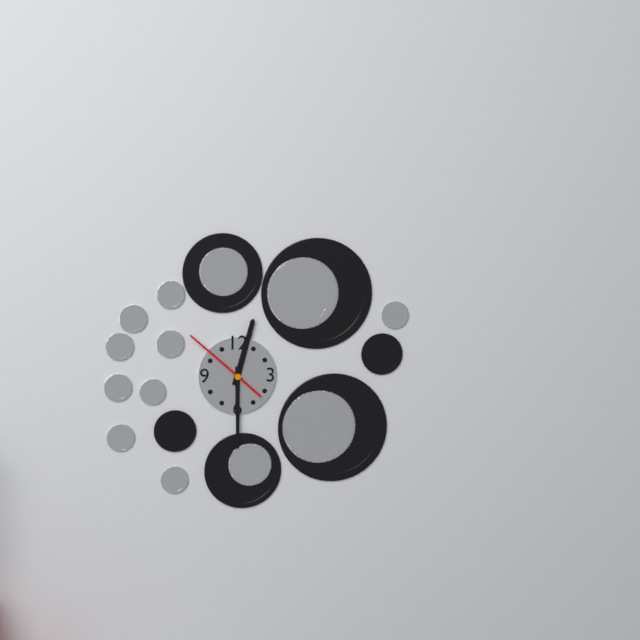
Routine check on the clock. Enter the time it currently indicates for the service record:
12:30:52
